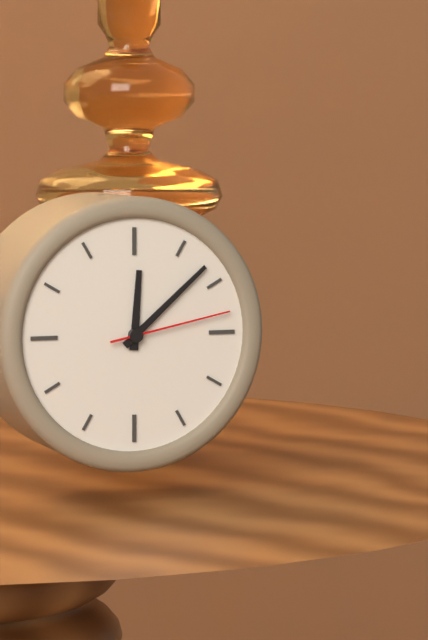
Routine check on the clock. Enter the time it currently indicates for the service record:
12:08:13
